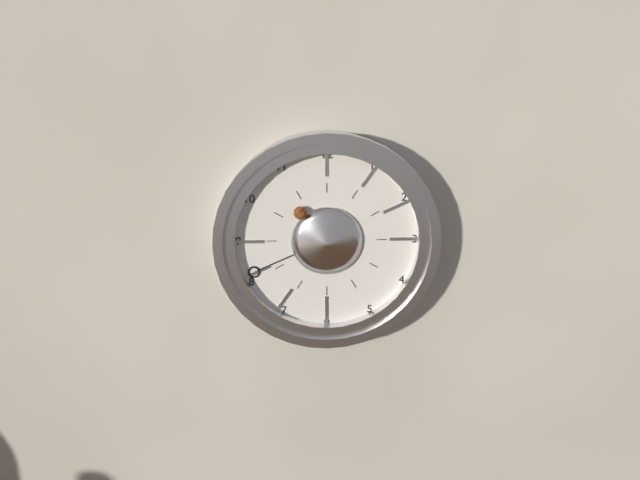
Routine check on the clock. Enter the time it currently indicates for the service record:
10:41
